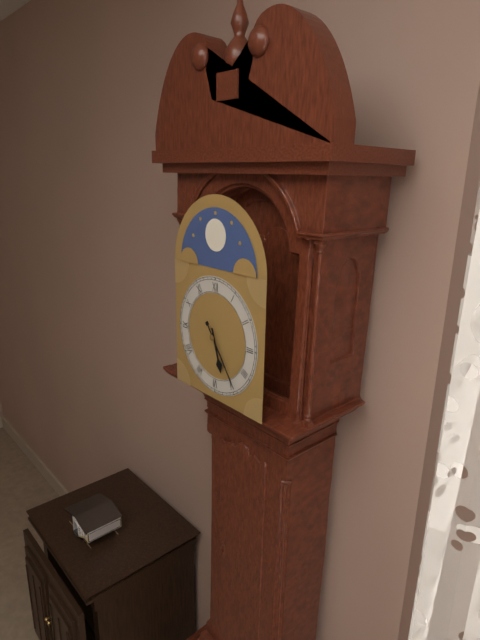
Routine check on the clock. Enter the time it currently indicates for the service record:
5:24
